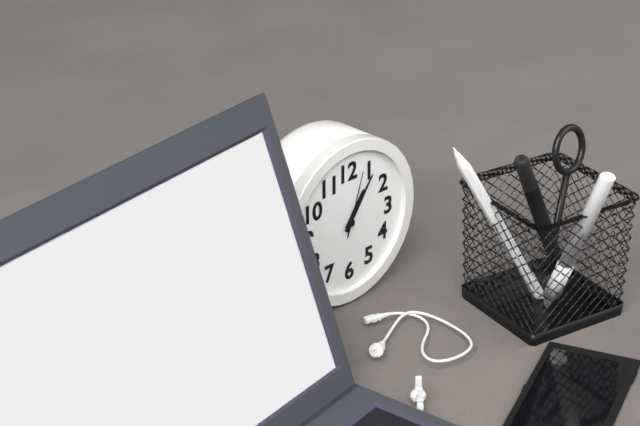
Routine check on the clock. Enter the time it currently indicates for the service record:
1:06:03
